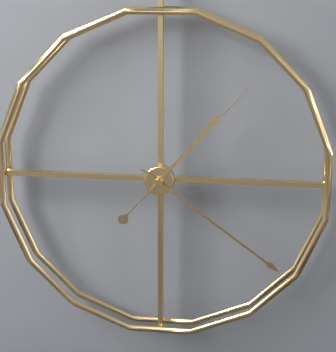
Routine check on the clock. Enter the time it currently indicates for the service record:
1:21:07
